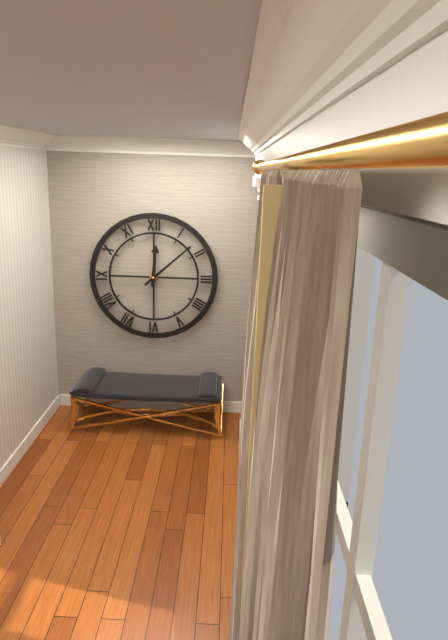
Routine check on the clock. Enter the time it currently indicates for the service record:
12:08
